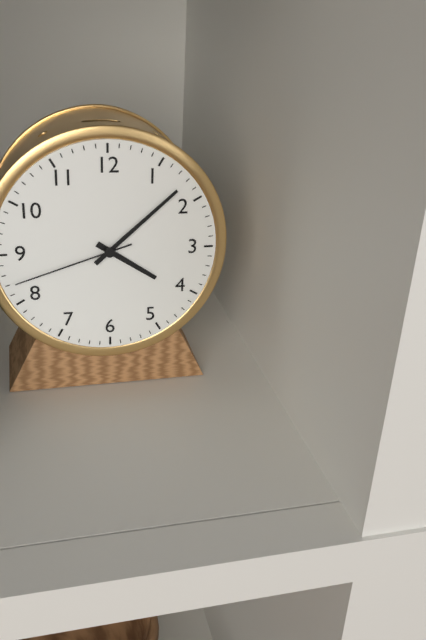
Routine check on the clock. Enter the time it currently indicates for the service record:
4:08:42
